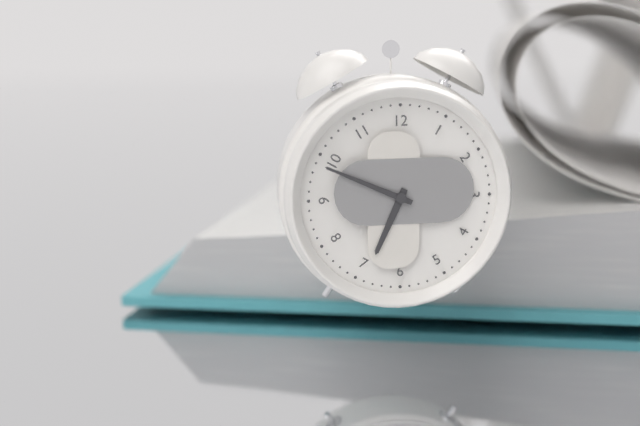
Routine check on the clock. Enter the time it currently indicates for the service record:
6:49
